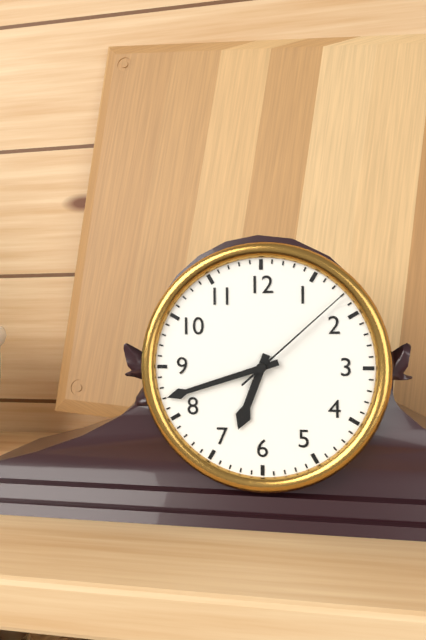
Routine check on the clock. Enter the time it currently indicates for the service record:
6:42:08
